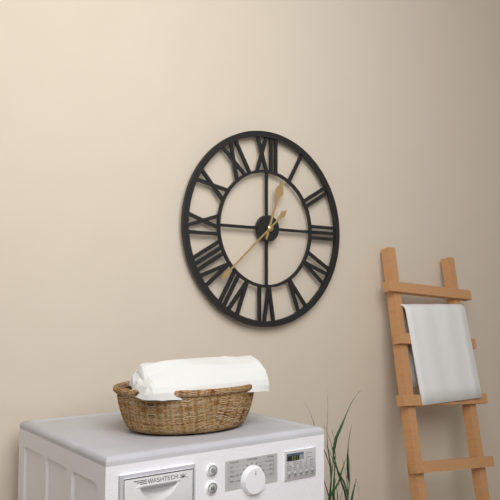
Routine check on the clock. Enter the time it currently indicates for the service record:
12:38
